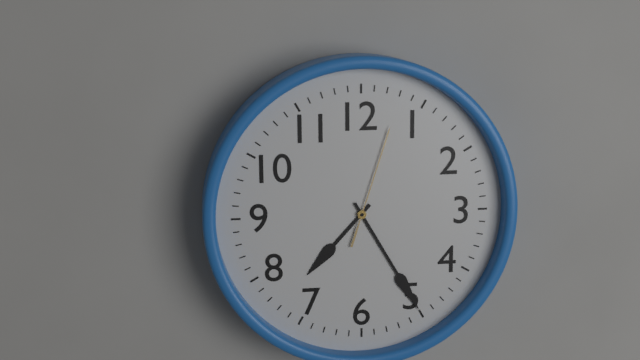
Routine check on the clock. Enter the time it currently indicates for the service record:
7:25:03
